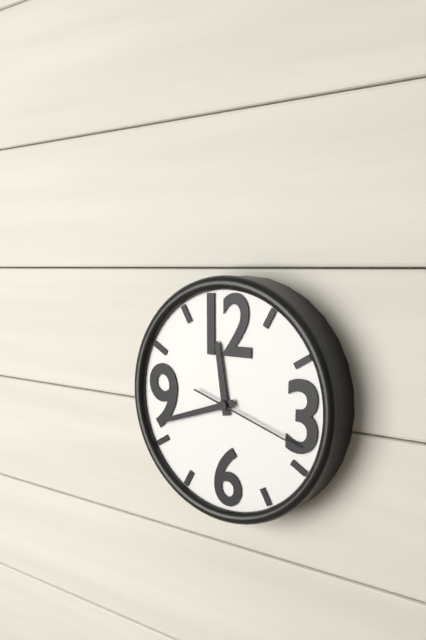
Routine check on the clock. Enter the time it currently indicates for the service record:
11:42:18
